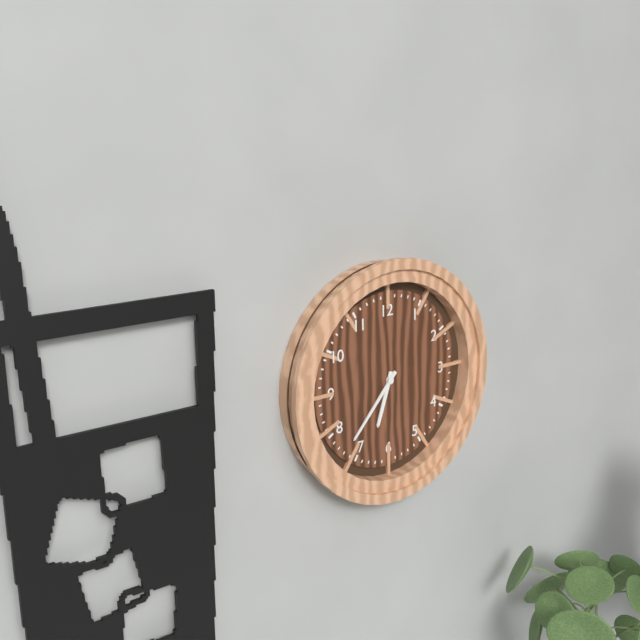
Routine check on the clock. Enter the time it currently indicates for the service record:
6:37
